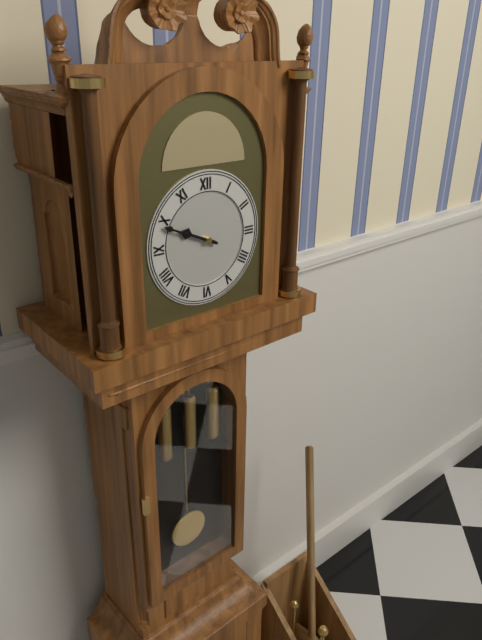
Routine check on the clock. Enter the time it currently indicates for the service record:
9:49
